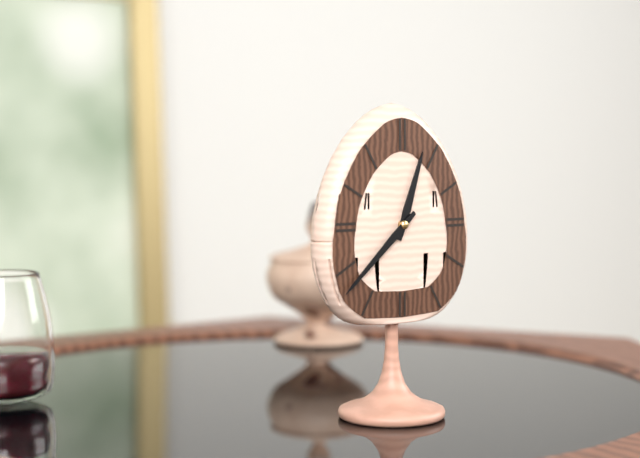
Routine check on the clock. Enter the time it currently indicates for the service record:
12:38
